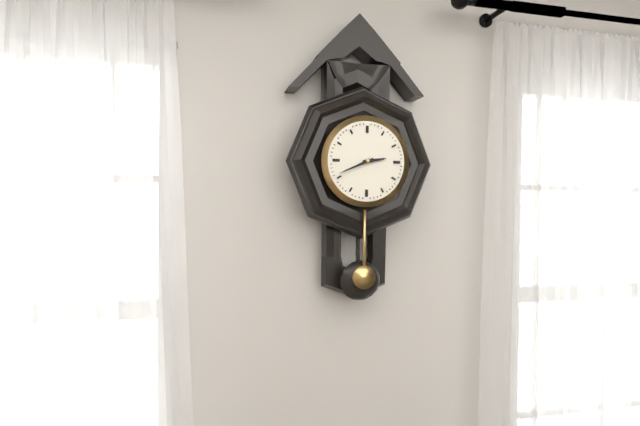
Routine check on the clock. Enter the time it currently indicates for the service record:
2:41
